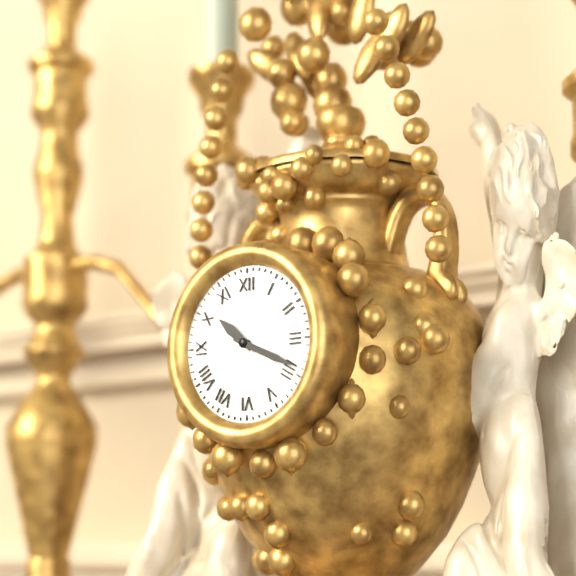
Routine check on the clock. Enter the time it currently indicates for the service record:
10:19
